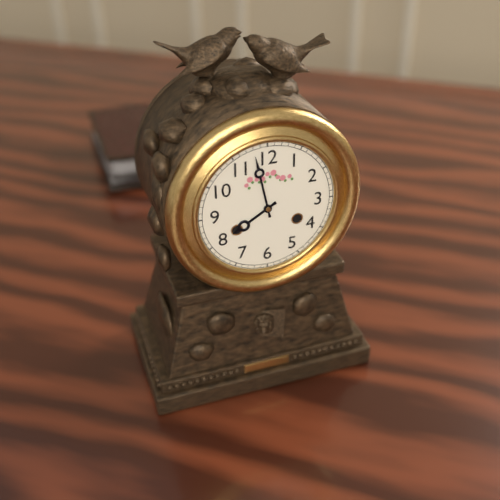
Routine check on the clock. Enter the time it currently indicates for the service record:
7:58
